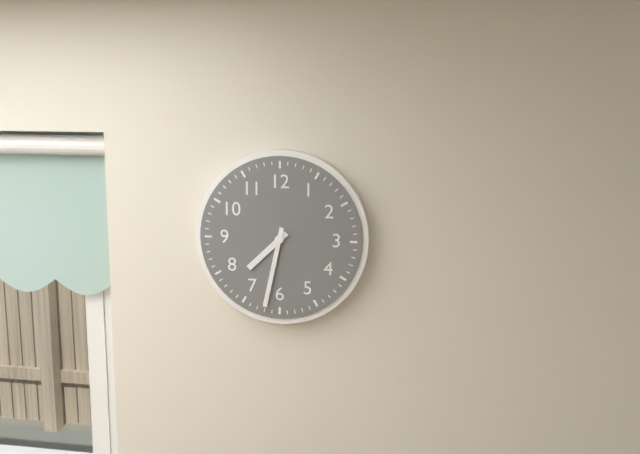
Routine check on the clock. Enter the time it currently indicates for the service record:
7:32
